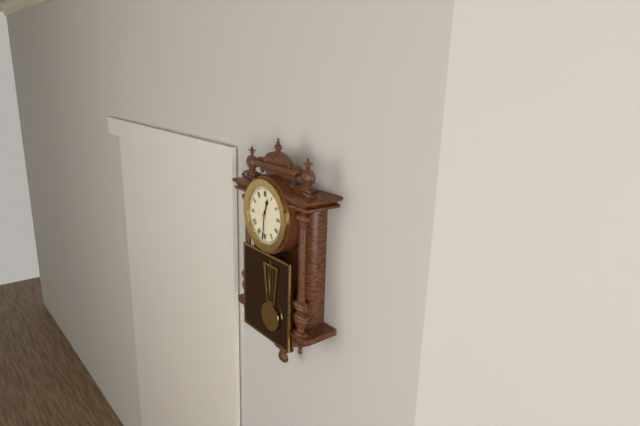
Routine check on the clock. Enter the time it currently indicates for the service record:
12:31
